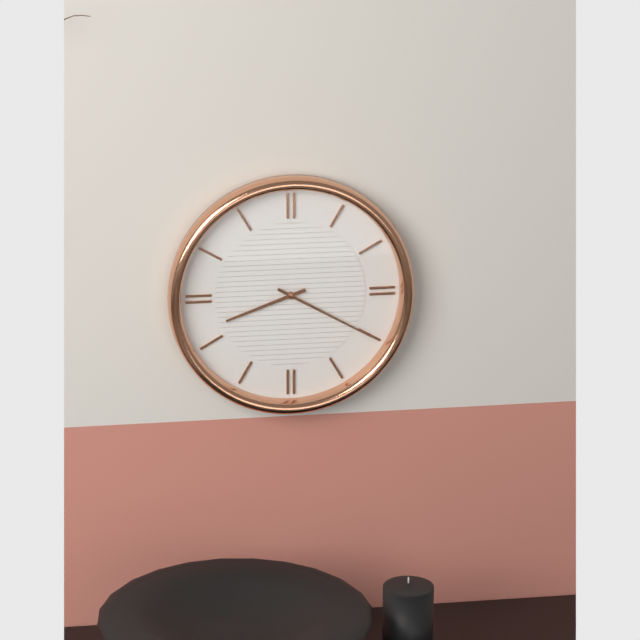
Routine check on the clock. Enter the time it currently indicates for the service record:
8:20
